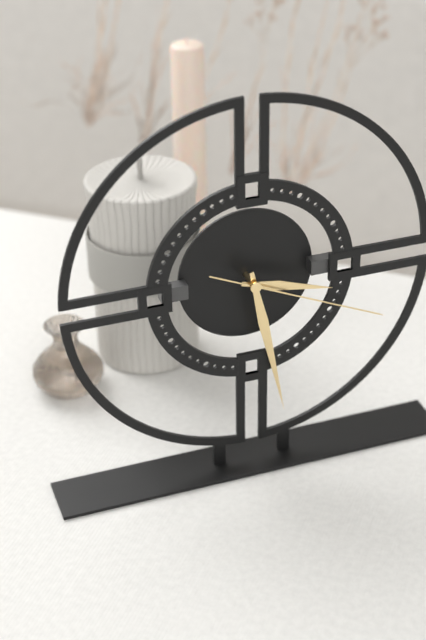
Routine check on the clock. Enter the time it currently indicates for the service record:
3:28:19
